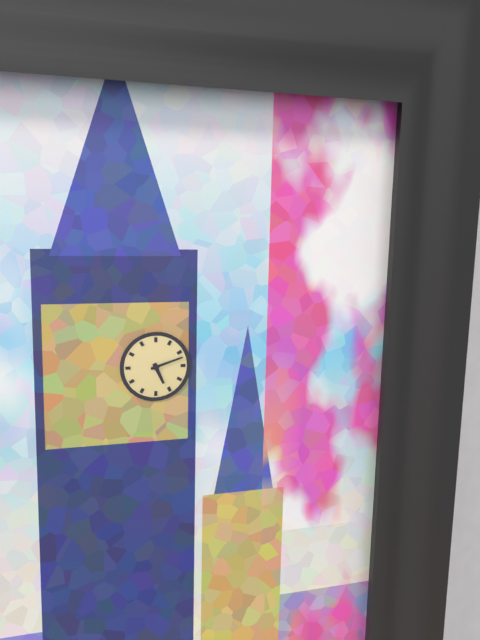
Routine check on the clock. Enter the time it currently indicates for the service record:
5:12
